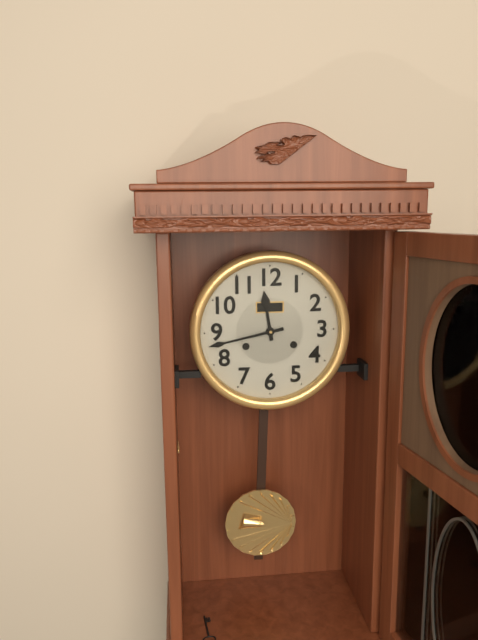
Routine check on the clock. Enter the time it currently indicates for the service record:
11:43
